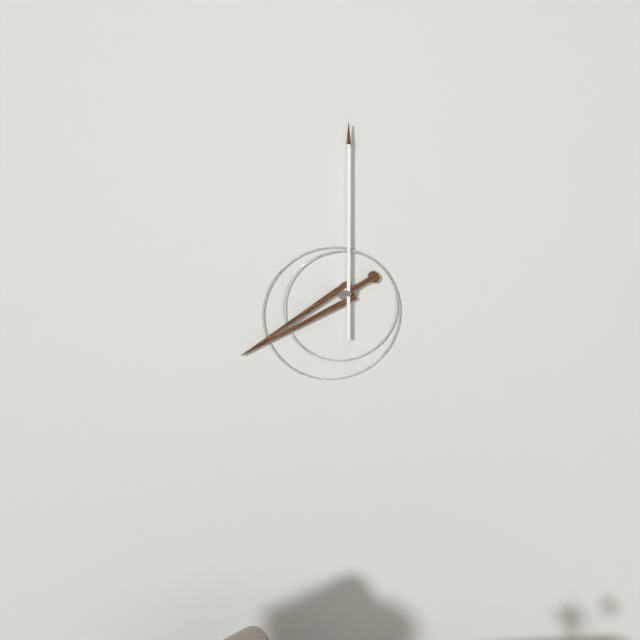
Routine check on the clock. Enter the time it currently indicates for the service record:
8:00
